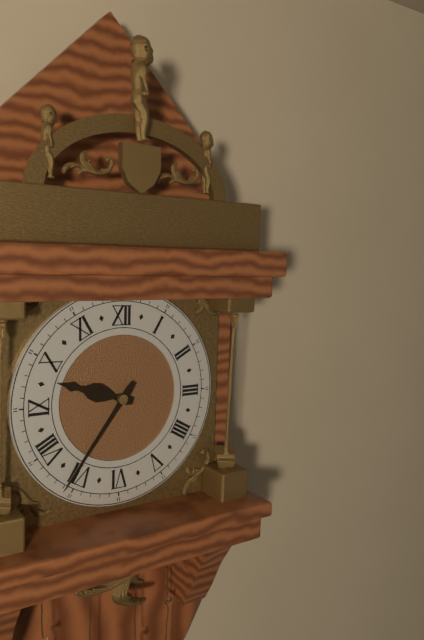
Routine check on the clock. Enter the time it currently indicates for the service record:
9:36
